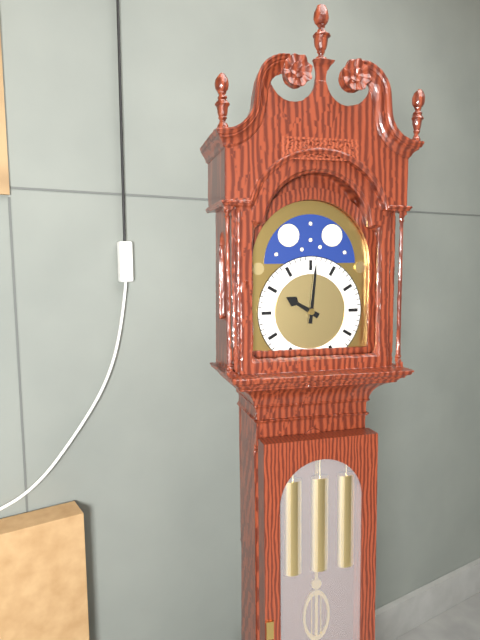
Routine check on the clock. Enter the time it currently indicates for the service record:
10:01
